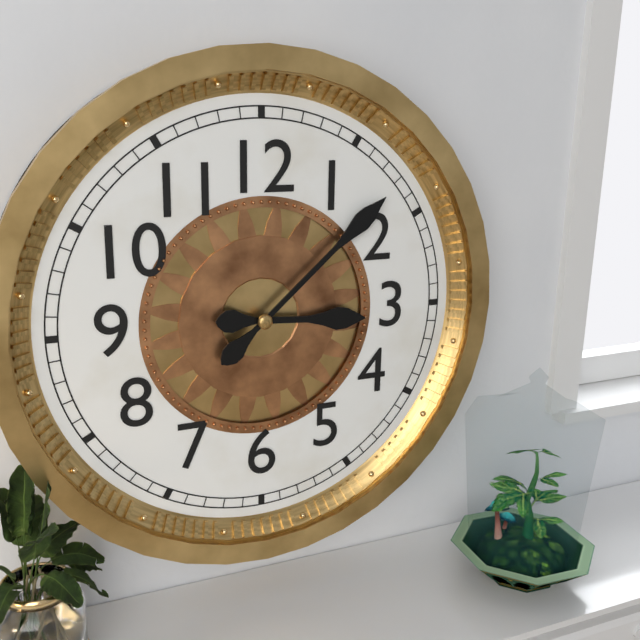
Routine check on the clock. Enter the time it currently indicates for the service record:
3:08
